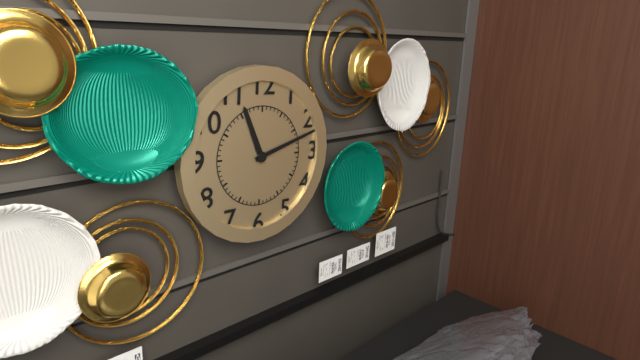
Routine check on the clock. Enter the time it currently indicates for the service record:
11:12
